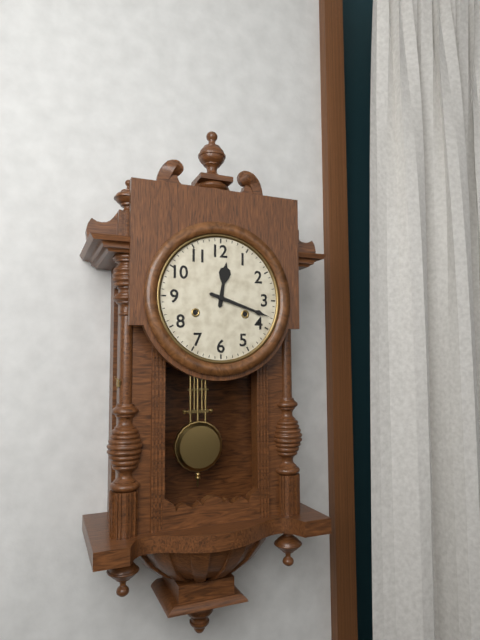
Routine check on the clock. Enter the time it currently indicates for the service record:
12:18
